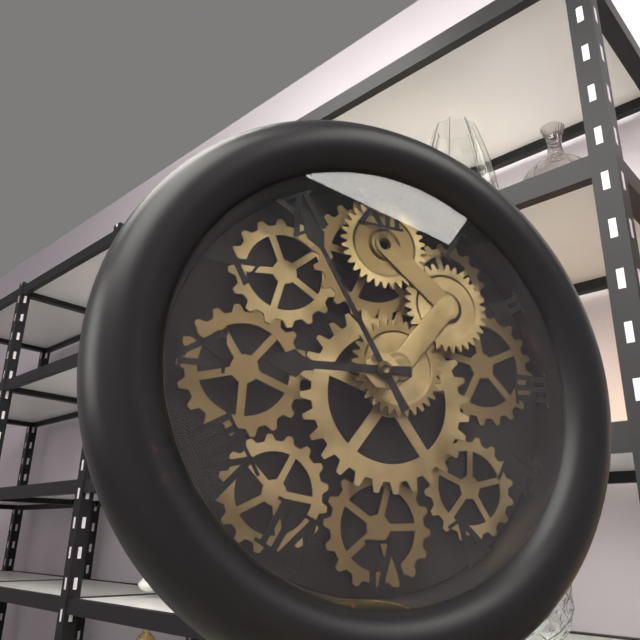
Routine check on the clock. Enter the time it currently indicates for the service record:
8:55
